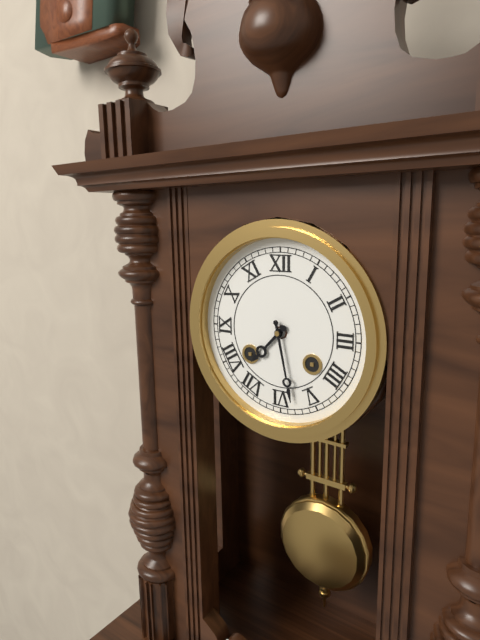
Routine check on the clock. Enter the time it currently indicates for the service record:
7:28
